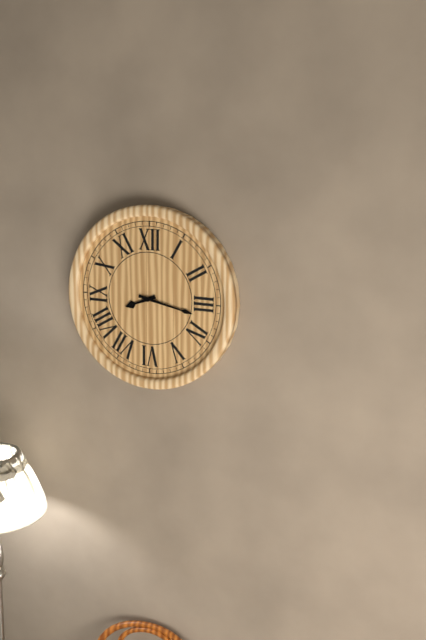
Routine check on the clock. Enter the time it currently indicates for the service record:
8:17
